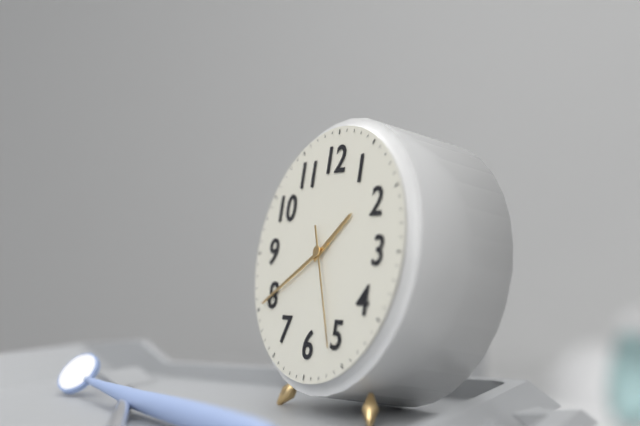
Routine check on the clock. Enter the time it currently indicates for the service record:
1:40:26
